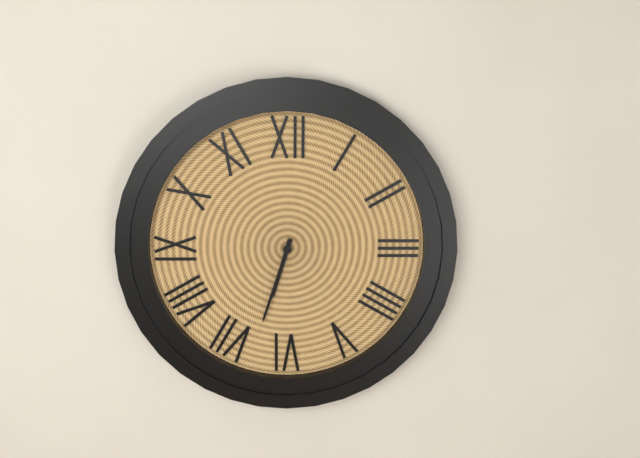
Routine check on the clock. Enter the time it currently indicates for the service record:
6:33
